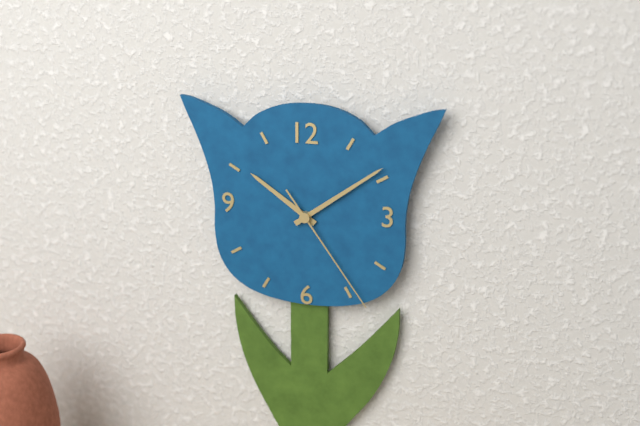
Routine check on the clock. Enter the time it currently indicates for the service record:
10:09:24
